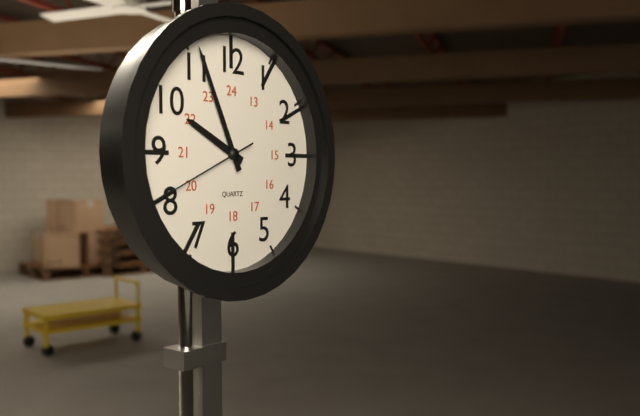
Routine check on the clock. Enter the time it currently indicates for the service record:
9:56:41
